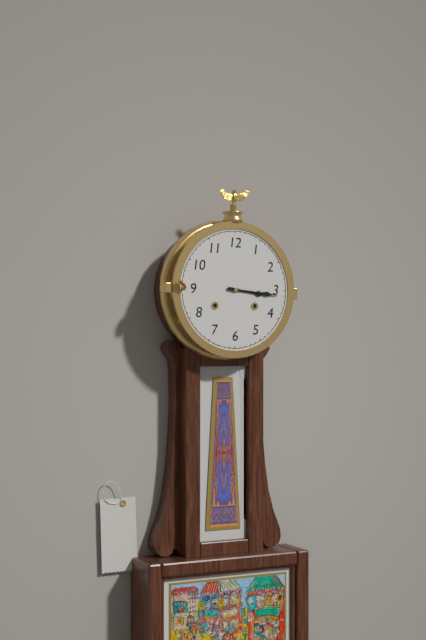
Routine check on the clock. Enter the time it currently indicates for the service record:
3:16
